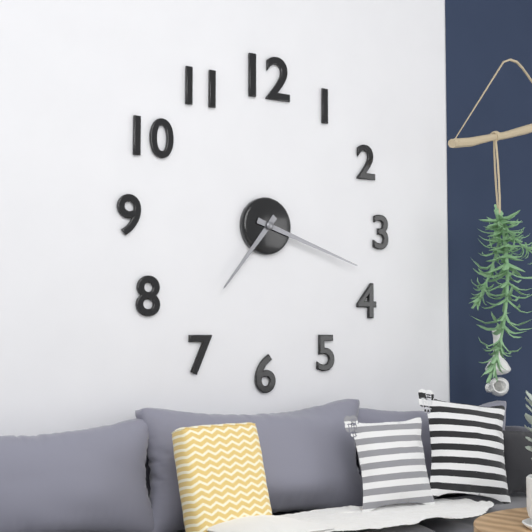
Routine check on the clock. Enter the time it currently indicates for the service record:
7:18
